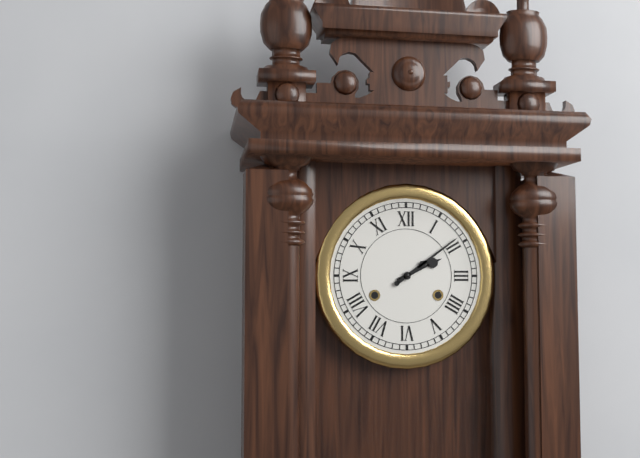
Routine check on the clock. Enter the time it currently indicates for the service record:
2:09
